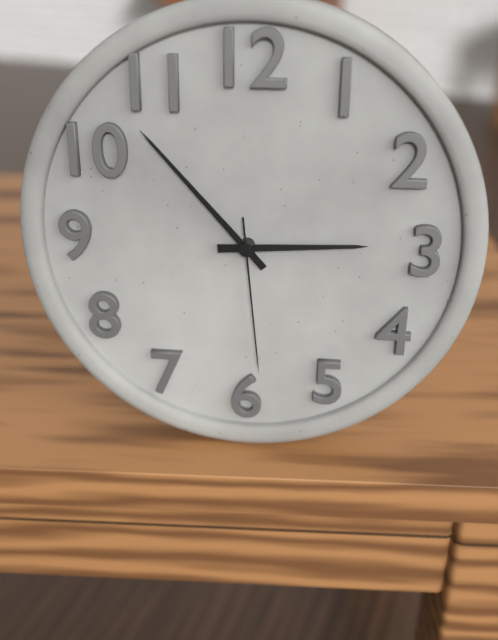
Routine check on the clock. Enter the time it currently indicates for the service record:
2:53:29
